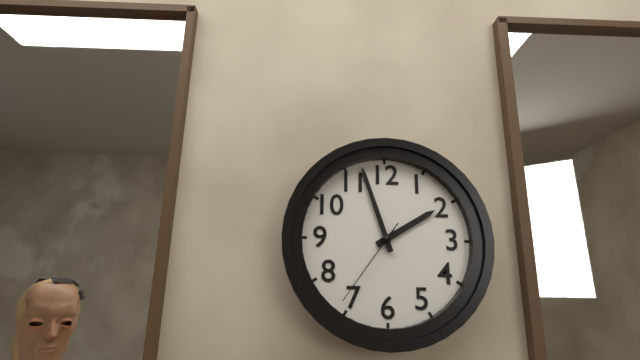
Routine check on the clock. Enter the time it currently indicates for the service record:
1:57:36
